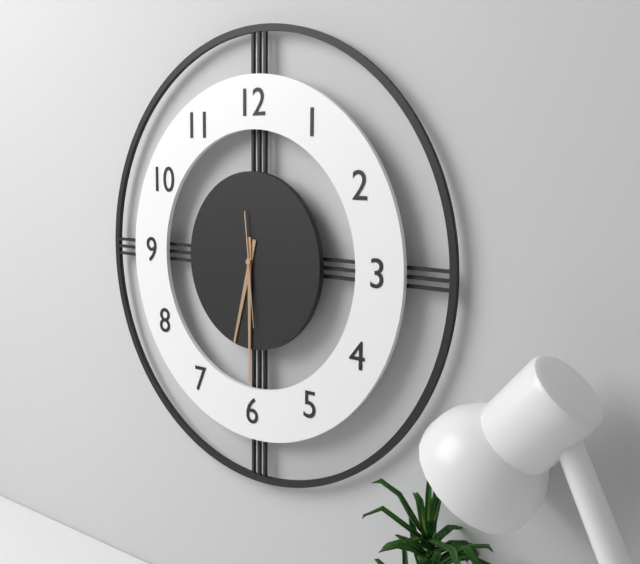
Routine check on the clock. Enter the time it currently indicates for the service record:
6:30:29
